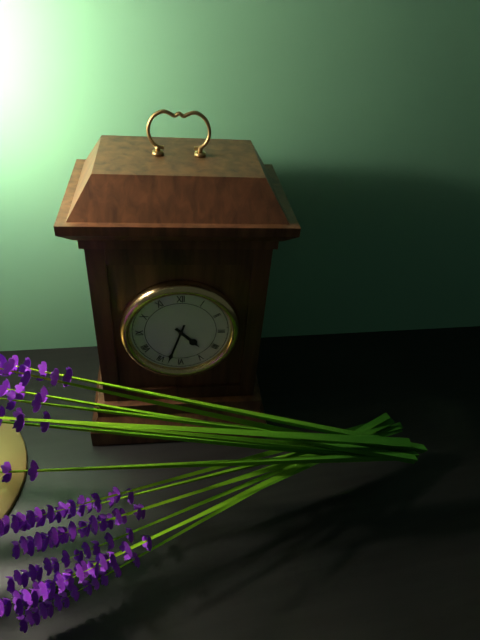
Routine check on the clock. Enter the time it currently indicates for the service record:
4:33
